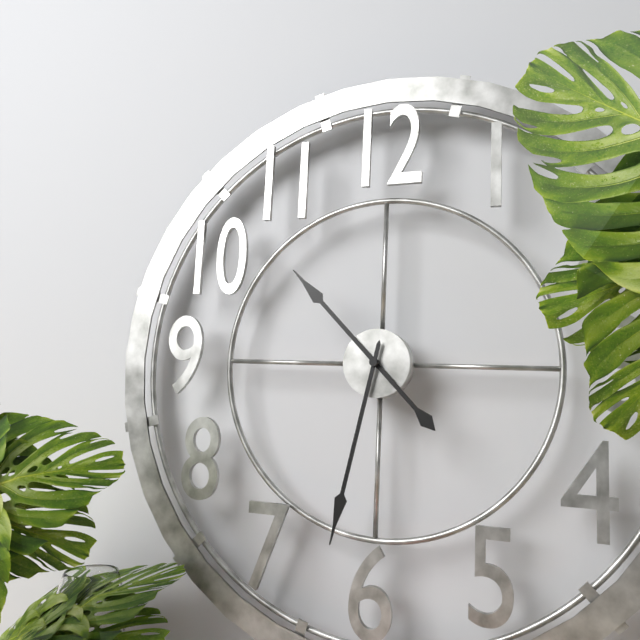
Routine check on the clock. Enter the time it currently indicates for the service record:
10:32
